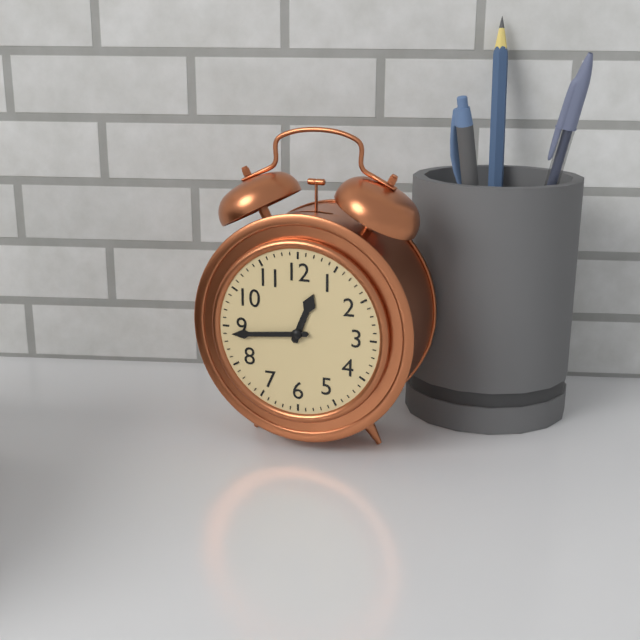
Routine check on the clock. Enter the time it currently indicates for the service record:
12:44
